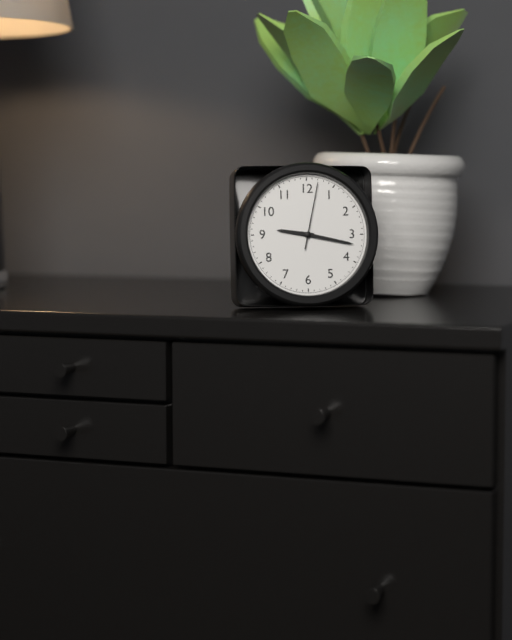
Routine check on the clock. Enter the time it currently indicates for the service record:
9:17:02
